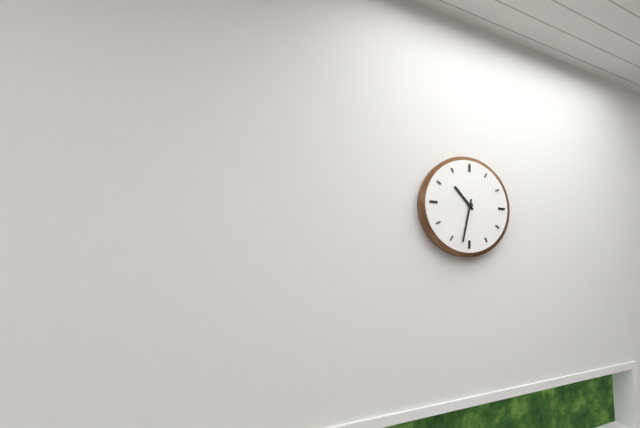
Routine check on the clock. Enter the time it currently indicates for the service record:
10:32
